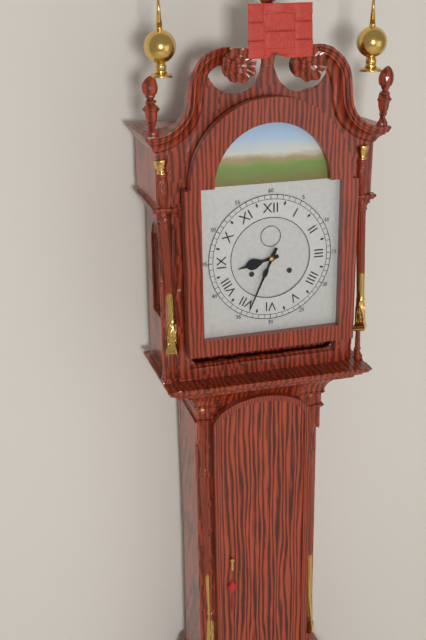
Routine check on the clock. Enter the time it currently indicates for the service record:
8:34
